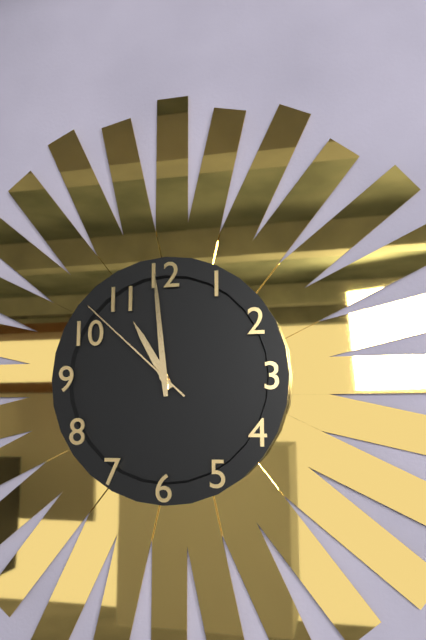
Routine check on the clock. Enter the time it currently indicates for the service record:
10:59:52
